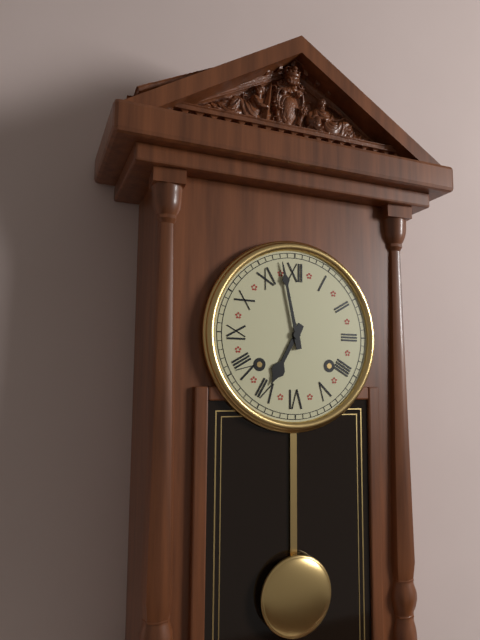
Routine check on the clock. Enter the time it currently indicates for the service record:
6:58
